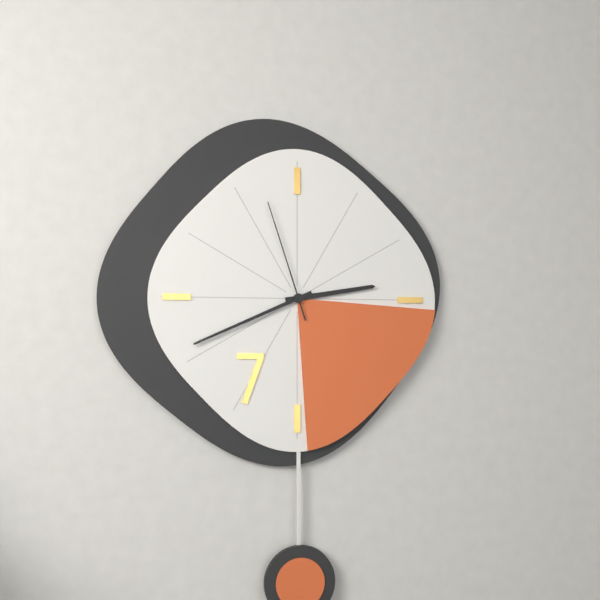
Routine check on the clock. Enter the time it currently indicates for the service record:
2:41:57
